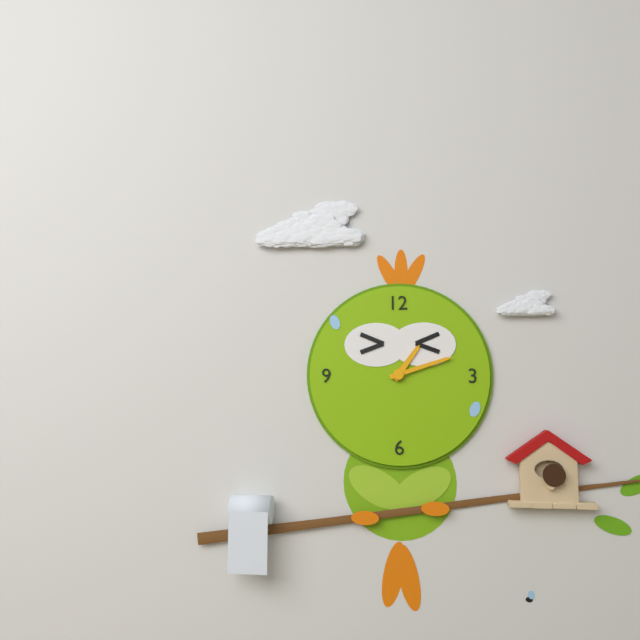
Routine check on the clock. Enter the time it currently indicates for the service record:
1:12
